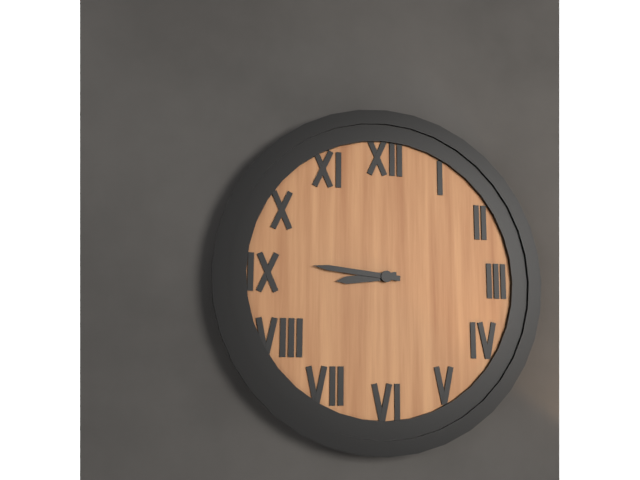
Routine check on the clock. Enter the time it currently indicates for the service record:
8:46
